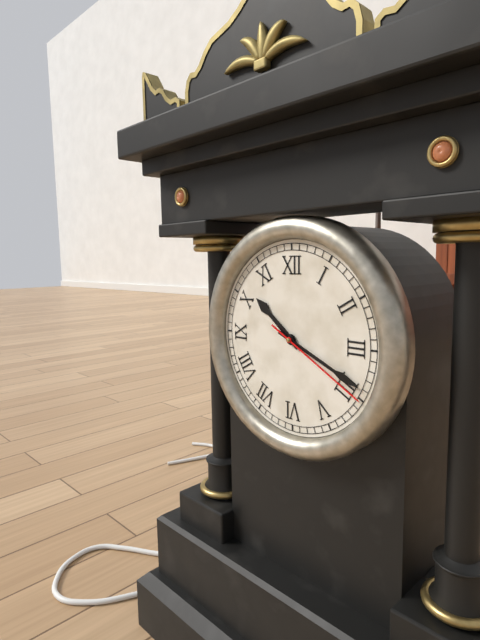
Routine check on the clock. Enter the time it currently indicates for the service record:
10:19:20
